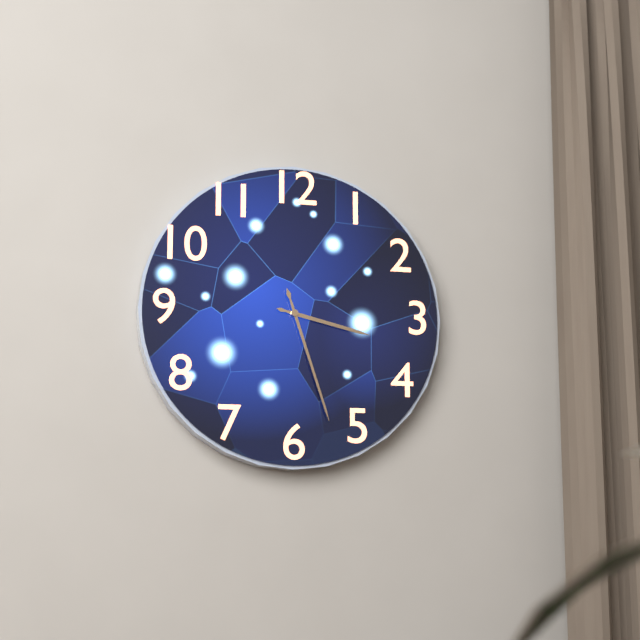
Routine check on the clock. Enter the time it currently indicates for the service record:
3:27
